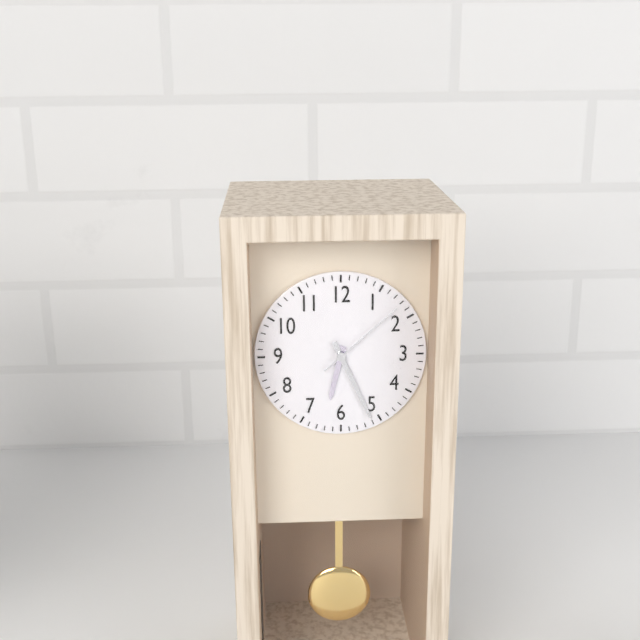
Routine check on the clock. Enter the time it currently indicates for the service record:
6:26:08
